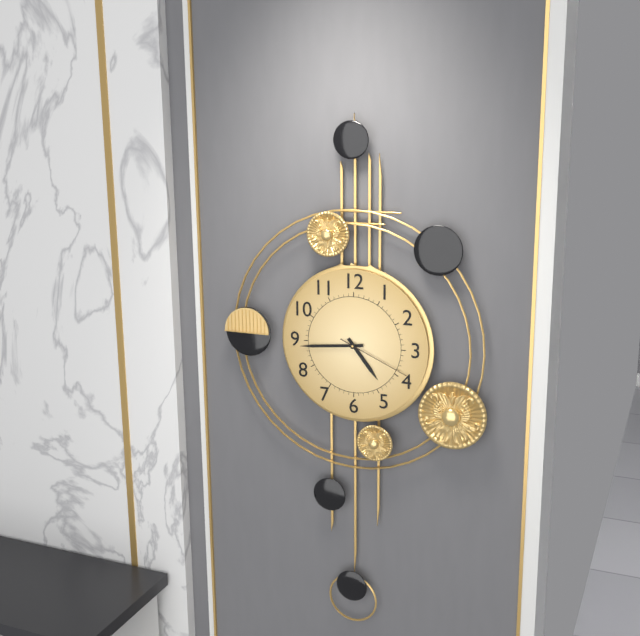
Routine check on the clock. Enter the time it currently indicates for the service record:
4:44:19
